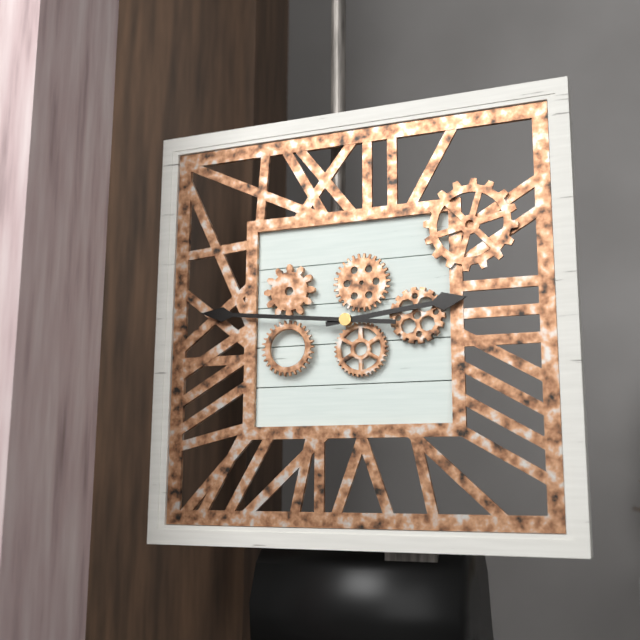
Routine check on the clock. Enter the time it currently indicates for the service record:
2:46
